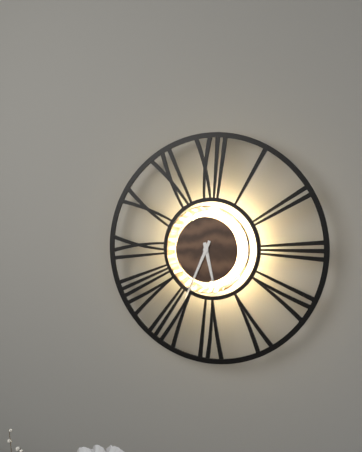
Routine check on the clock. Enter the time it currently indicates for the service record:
5:34
